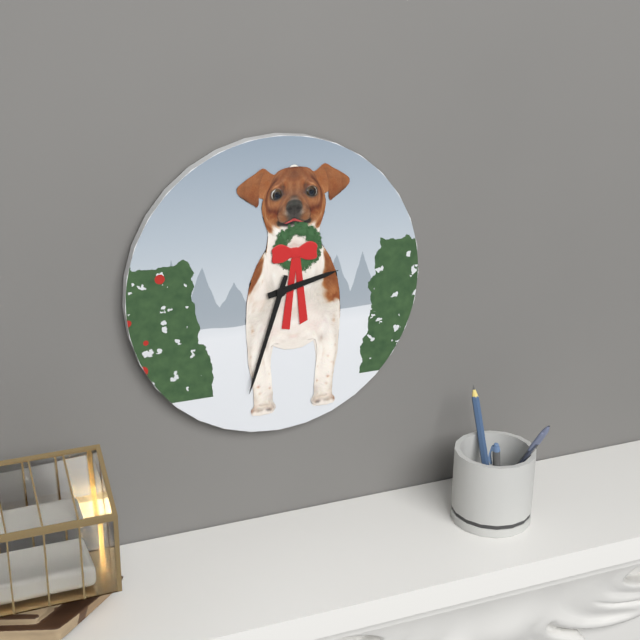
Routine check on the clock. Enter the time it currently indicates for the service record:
2:33
